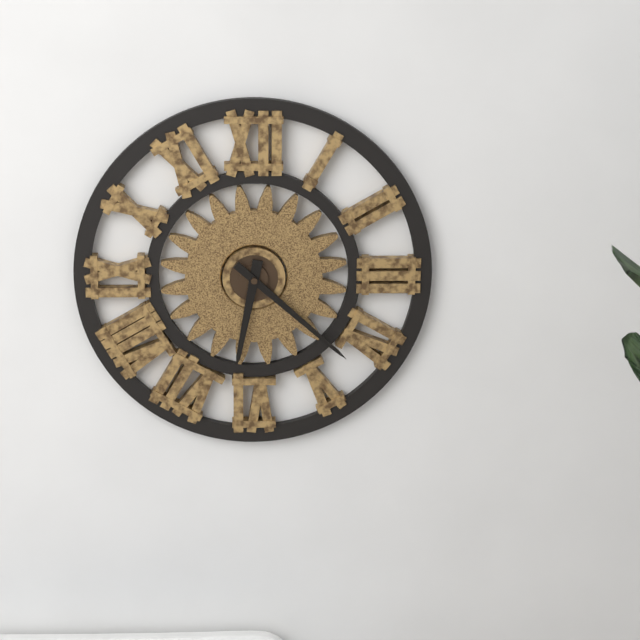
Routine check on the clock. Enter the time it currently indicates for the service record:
6:22
